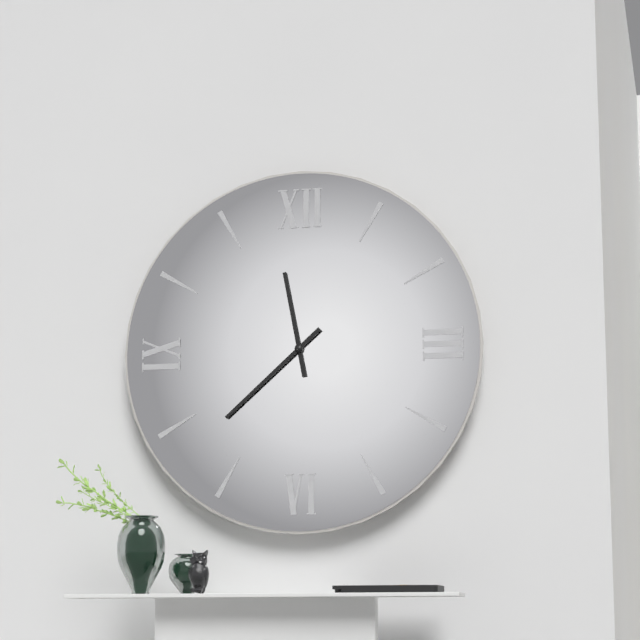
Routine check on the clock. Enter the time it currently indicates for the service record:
11:38
